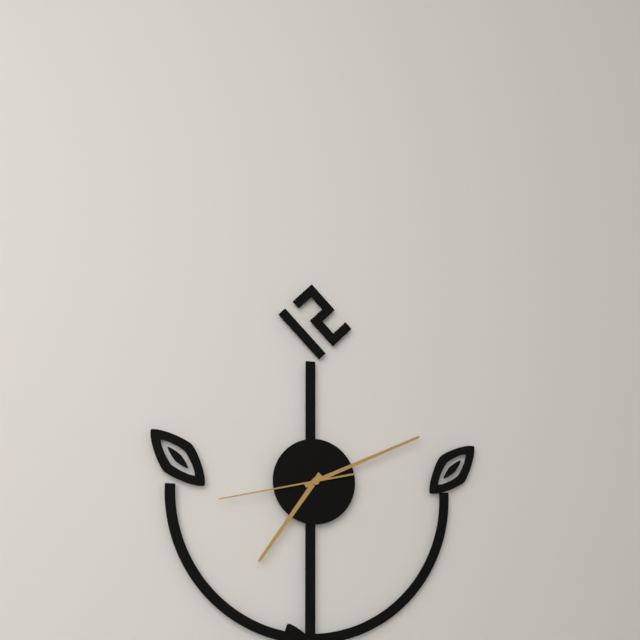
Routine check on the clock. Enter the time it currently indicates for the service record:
7:11:43
